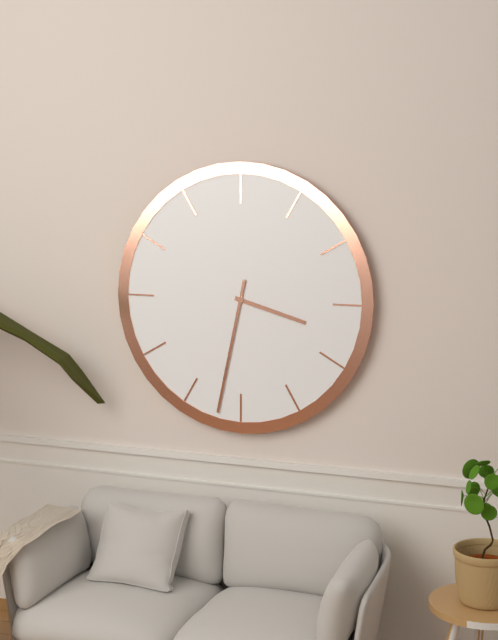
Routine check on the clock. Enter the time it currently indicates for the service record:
3:32
